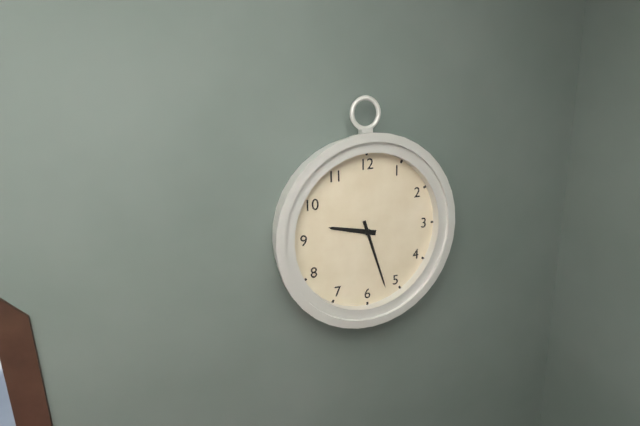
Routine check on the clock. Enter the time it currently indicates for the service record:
9:27
